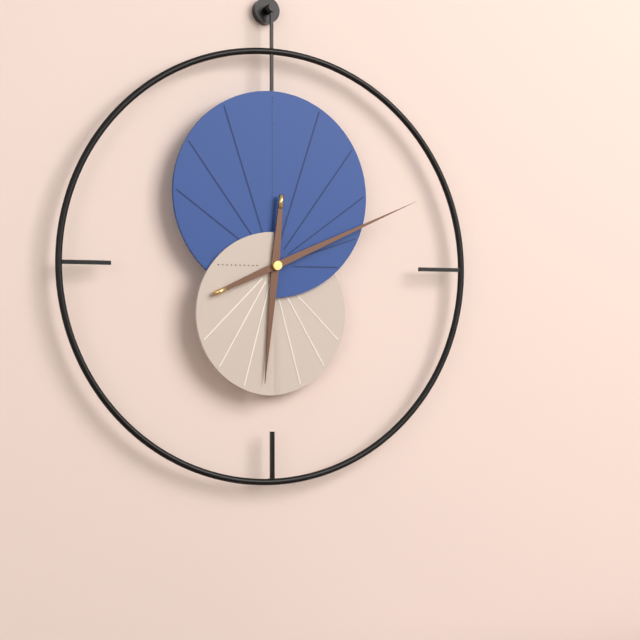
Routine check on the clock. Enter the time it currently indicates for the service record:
6:11
